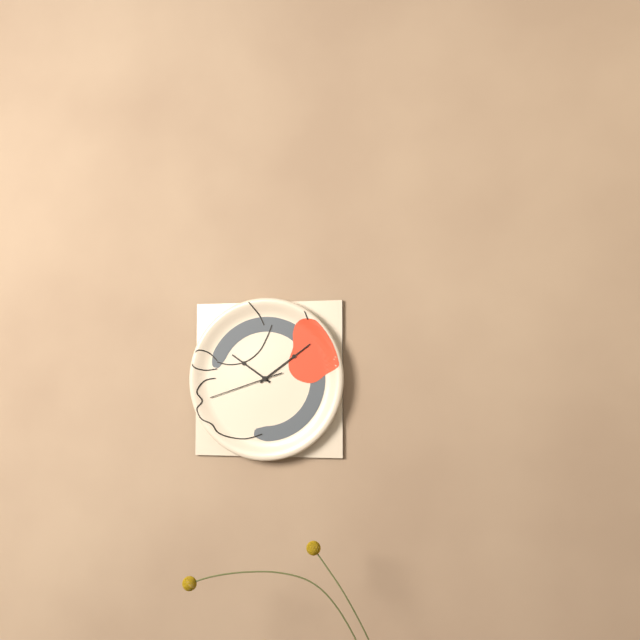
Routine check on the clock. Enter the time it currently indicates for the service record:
10:09:42
